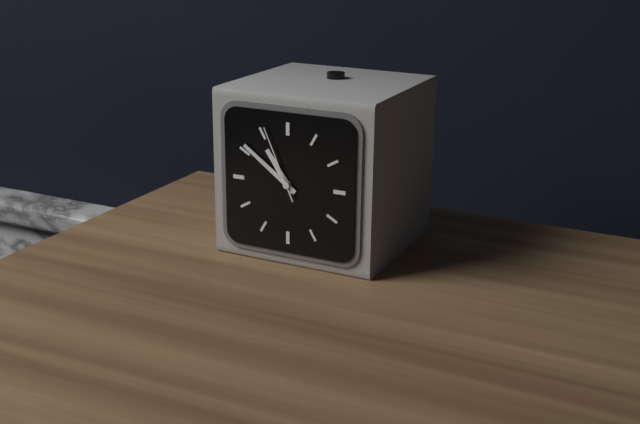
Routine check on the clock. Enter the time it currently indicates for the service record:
10:51:56
